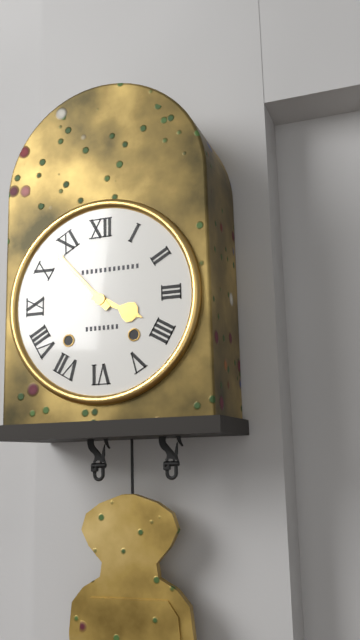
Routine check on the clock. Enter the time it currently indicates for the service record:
3:53
